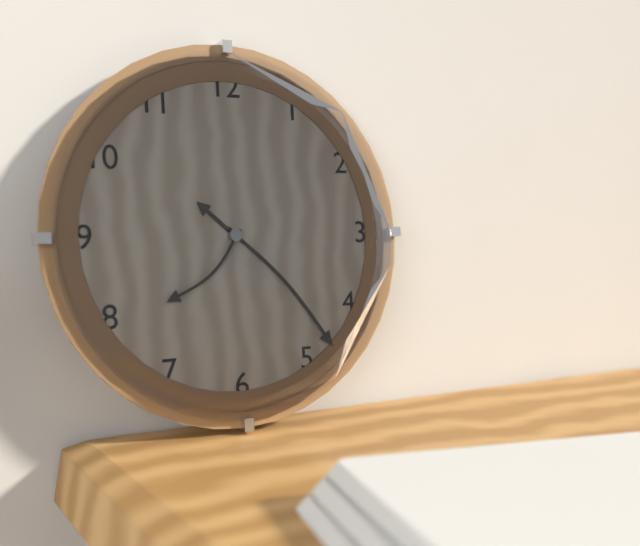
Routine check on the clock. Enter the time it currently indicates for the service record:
10:23:38
